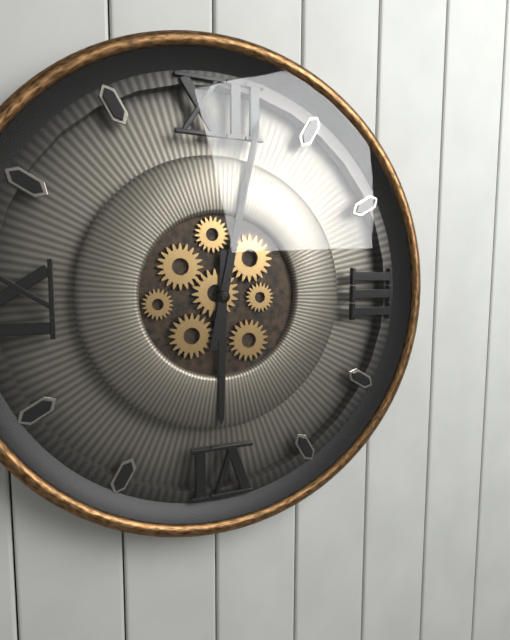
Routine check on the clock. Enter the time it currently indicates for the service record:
6:02
